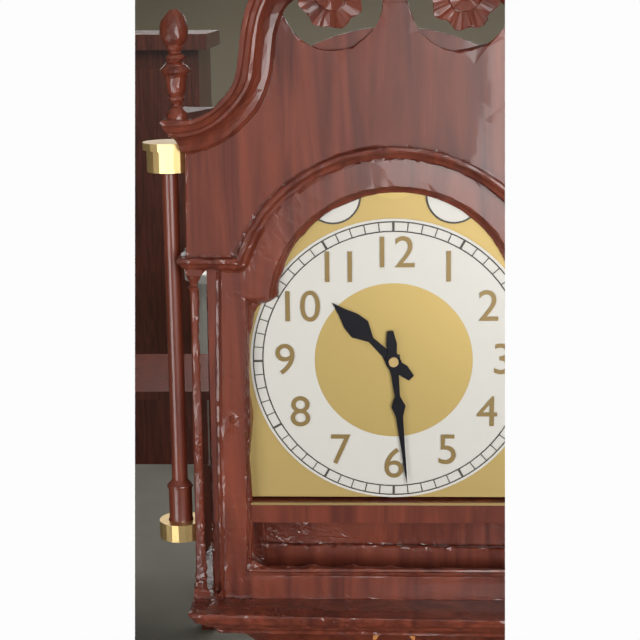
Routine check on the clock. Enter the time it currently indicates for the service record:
10:29
